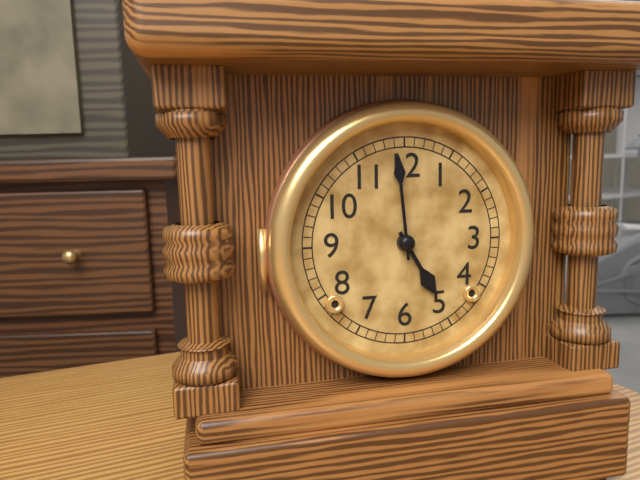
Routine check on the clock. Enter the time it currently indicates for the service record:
4:59
